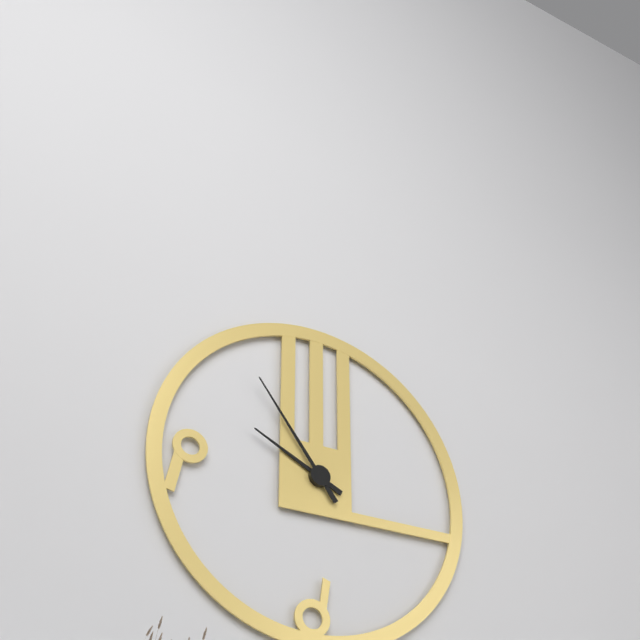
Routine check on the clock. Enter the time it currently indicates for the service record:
9:54
